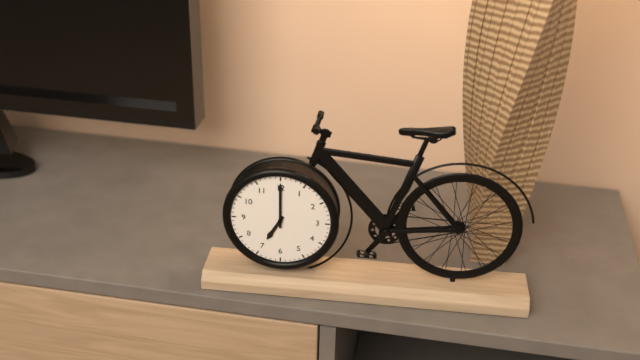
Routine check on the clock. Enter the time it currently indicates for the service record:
7:00
